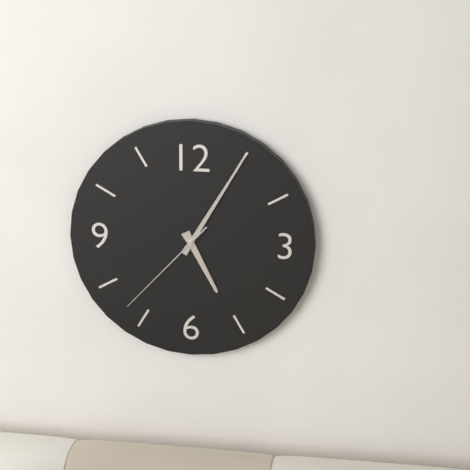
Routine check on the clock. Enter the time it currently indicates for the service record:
5:05:37
